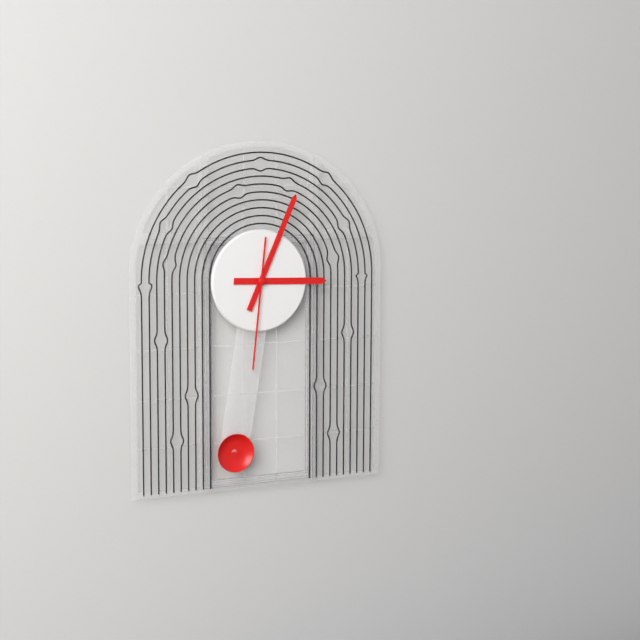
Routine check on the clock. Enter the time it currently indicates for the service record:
3:04:31
